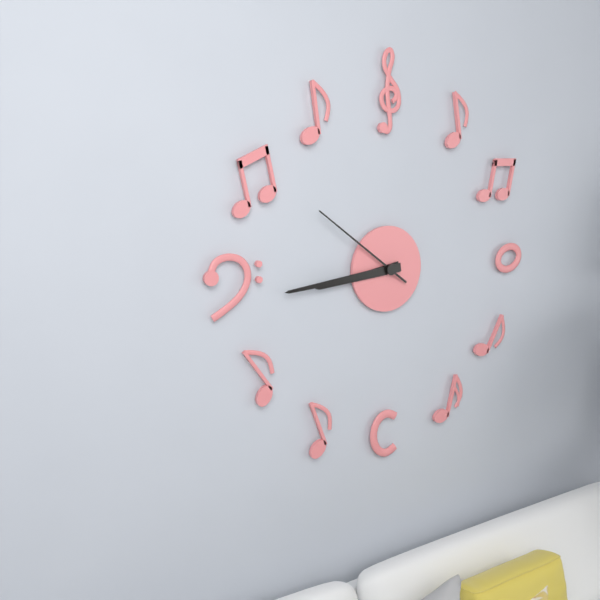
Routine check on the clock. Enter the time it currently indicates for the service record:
8:44:51
